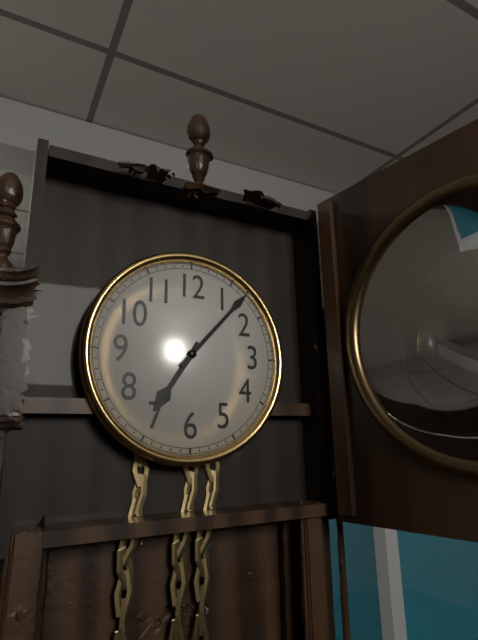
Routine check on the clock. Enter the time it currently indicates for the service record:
7:07
